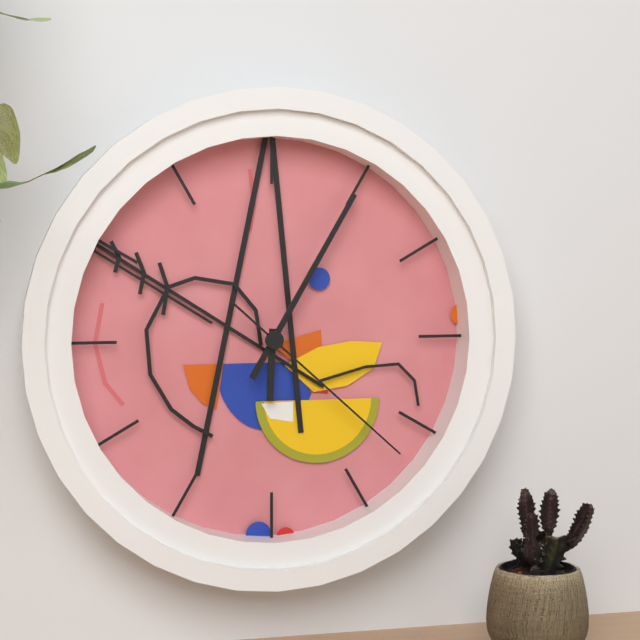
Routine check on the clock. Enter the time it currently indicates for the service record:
6:05:22
